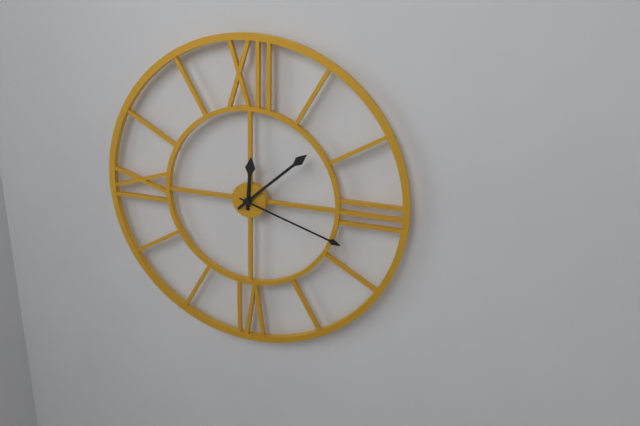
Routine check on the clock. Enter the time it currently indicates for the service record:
12:08:18
